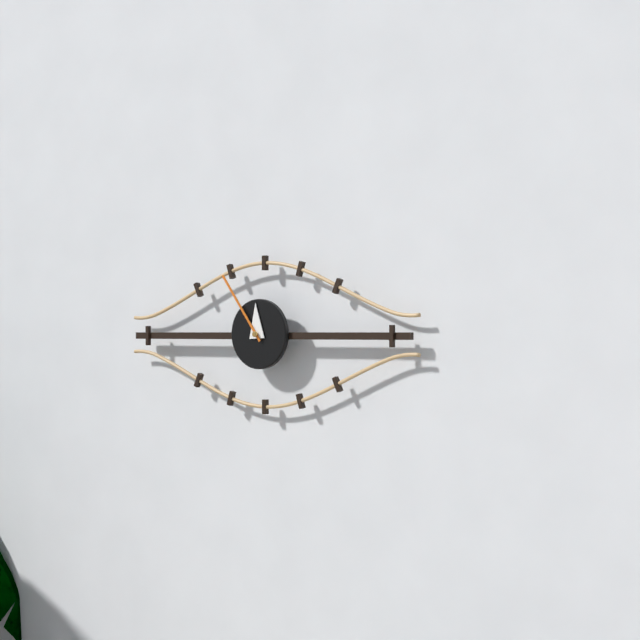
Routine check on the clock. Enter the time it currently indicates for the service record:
11:54
